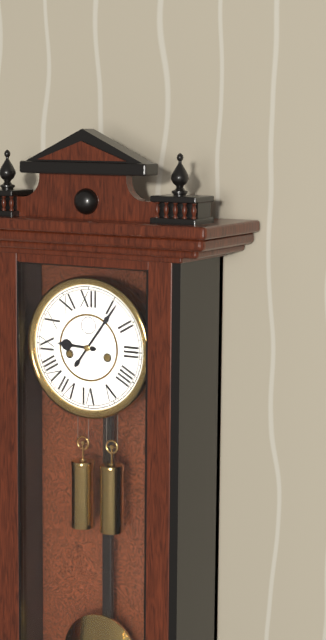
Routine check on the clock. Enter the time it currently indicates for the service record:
9:06
